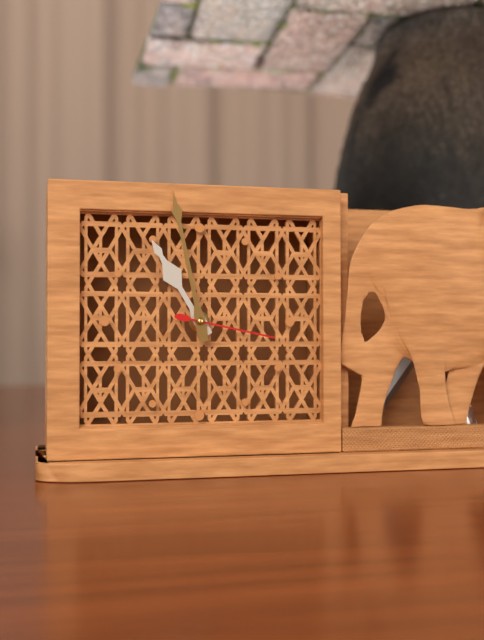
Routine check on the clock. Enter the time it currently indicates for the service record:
10:58:17
